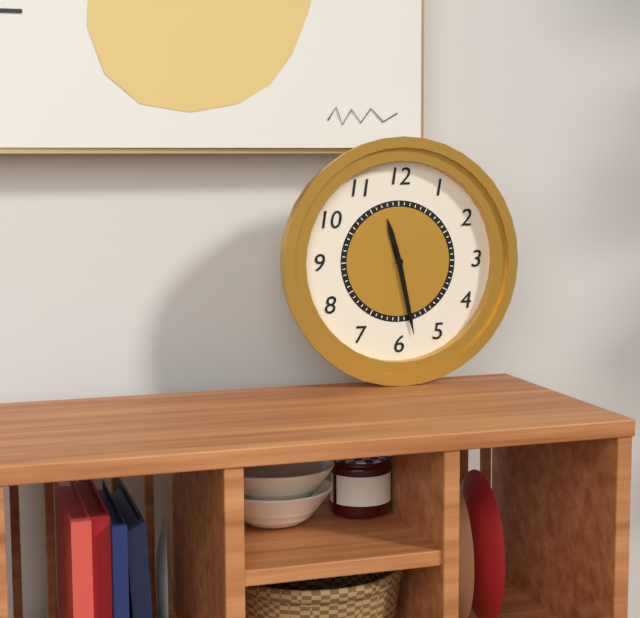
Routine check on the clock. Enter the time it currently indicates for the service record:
11:28
